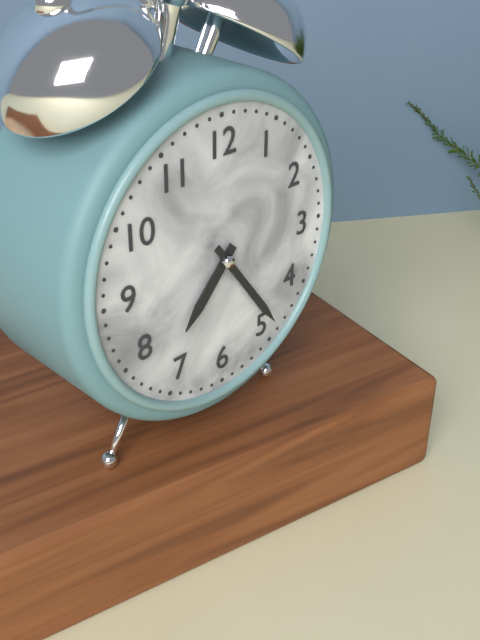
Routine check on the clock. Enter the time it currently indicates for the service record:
7:24
